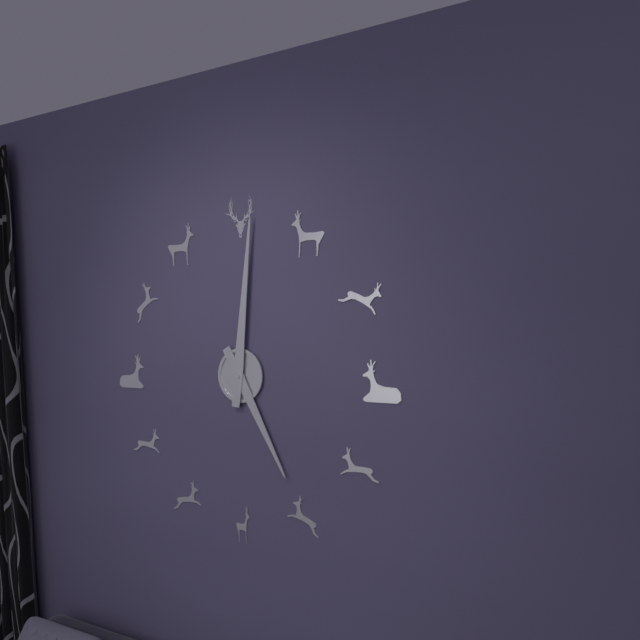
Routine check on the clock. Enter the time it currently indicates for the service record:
5:01
